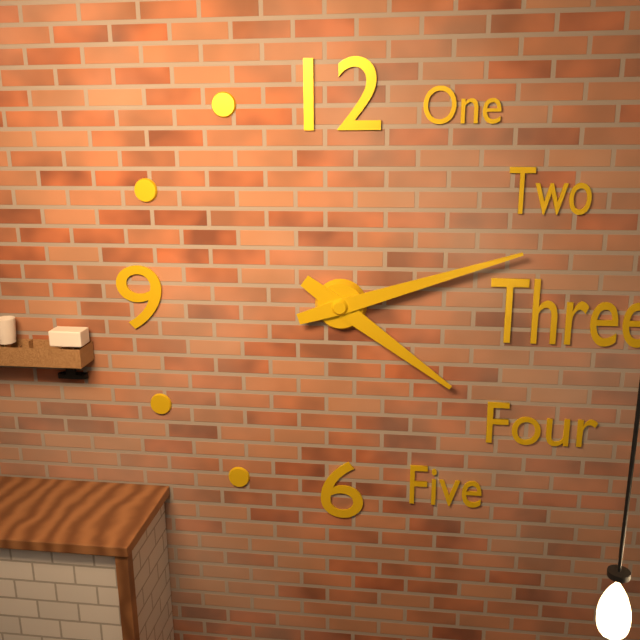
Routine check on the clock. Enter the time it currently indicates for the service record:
4:12
